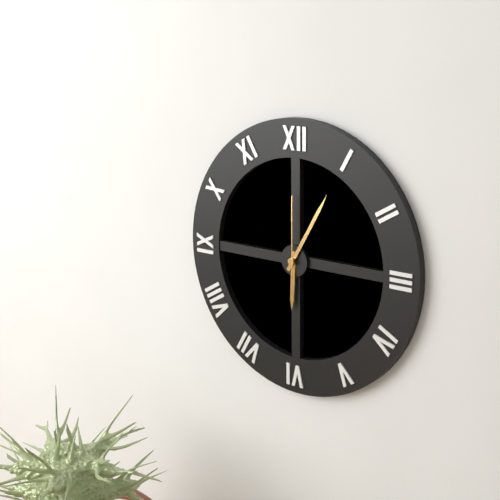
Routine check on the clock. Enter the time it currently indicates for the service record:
6:05:00
